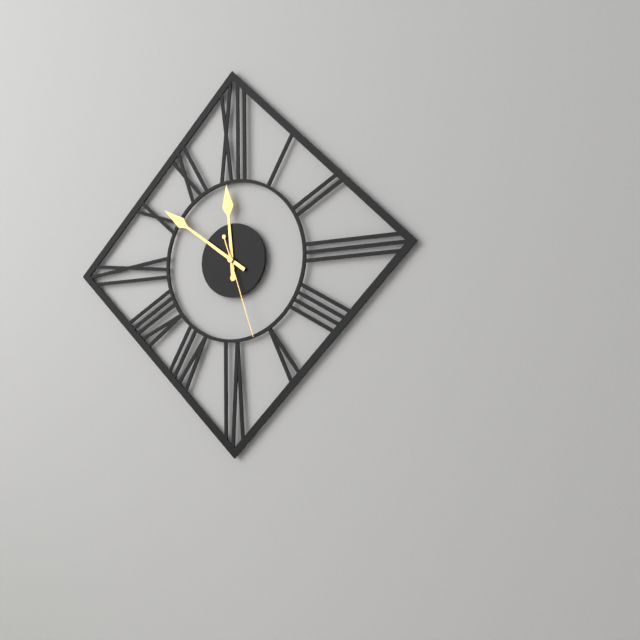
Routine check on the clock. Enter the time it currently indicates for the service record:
11:51:27
